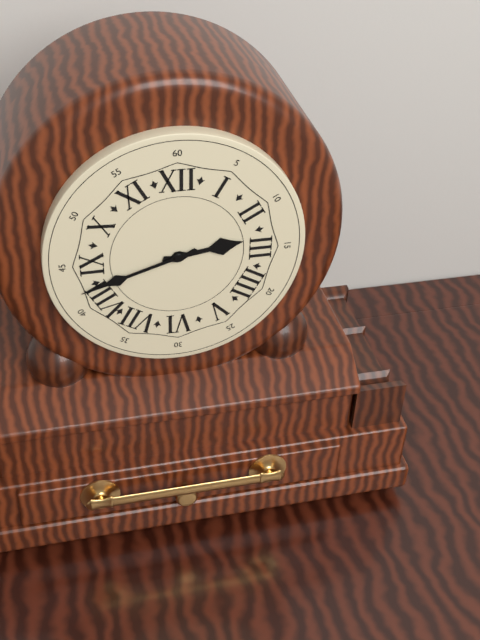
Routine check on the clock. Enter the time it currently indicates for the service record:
2:42
